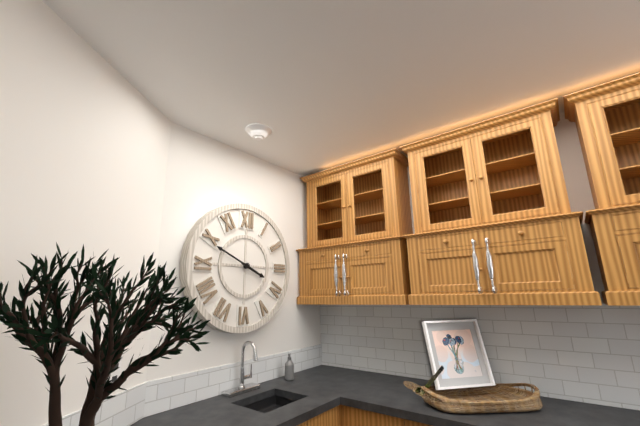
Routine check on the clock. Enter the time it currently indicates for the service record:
3:49
